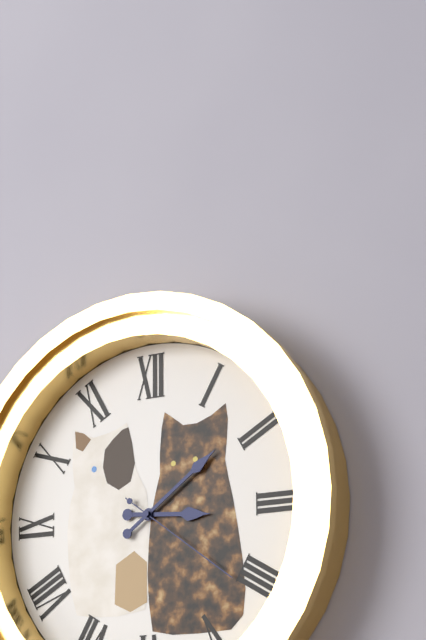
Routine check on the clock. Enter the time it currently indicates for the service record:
3:09:21
